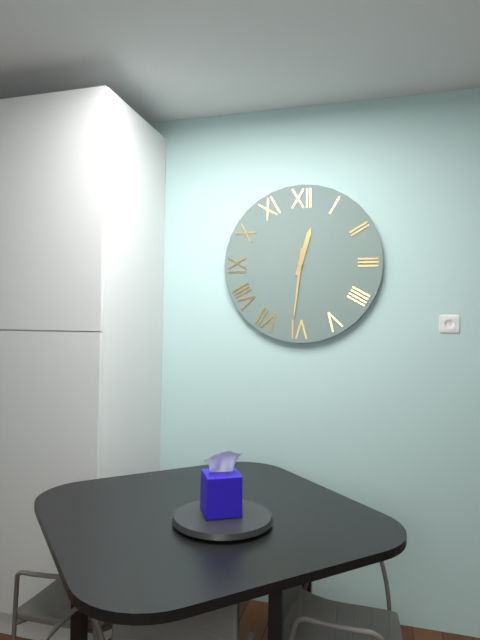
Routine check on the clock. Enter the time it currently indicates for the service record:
12:31
